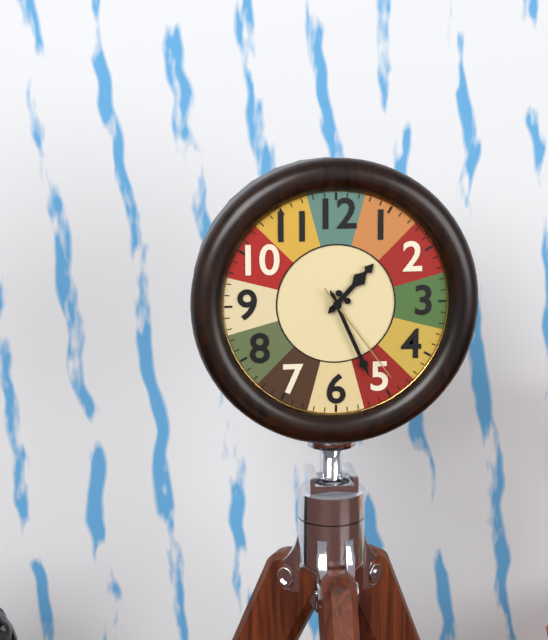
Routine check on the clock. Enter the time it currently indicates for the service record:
1:26:24
